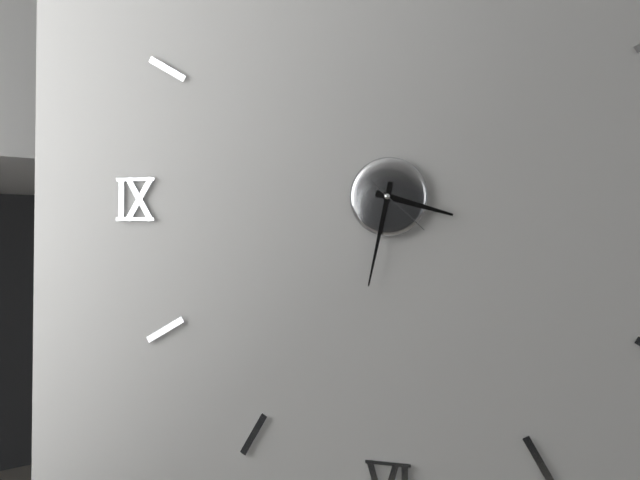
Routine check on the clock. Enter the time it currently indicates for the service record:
3:32:22
